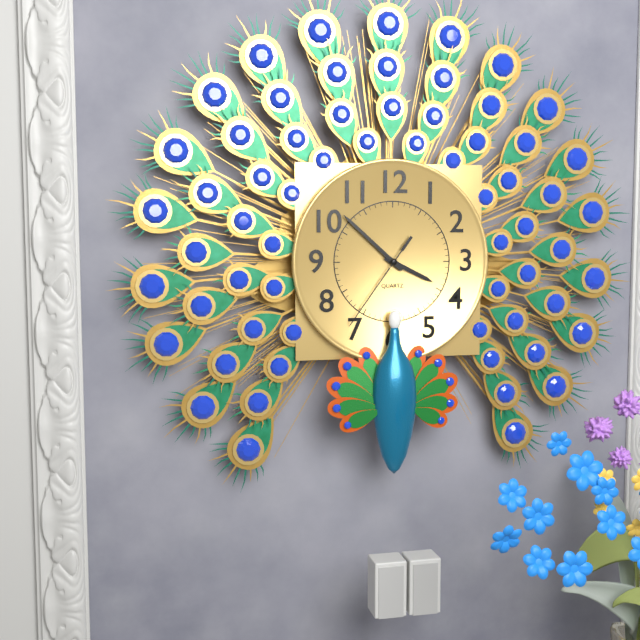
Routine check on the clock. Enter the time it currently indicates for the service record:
3:52:36
